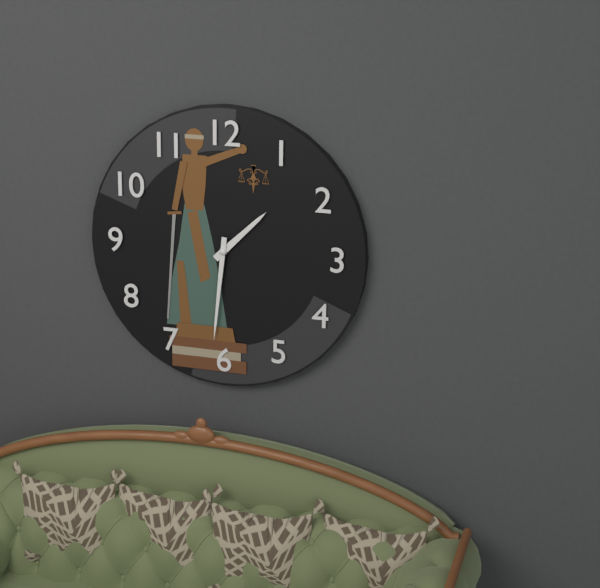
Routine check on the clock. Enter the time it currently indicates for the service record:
1:31
